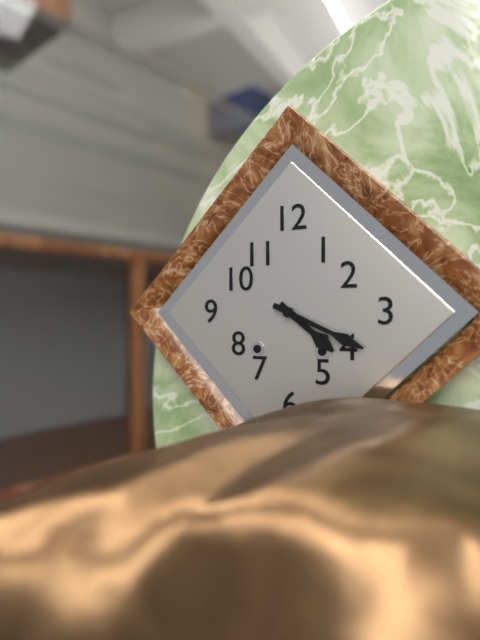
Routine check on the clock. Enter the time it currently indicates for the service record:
4:19
